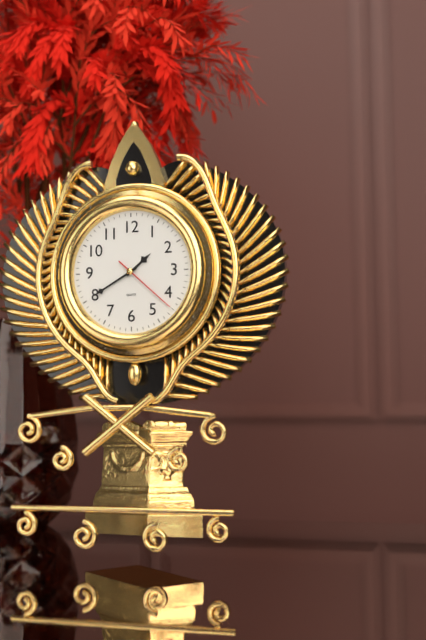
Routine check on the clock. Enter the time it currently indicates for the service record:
1:40:22
